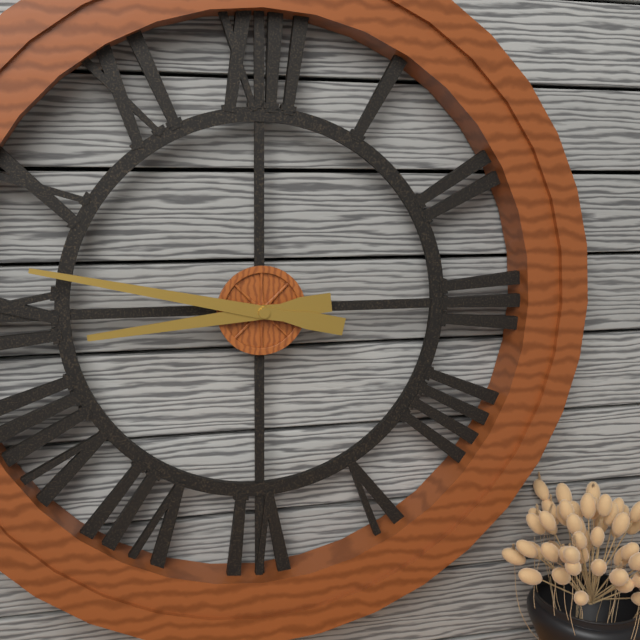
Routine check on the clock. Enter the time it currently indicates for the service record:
8:47
